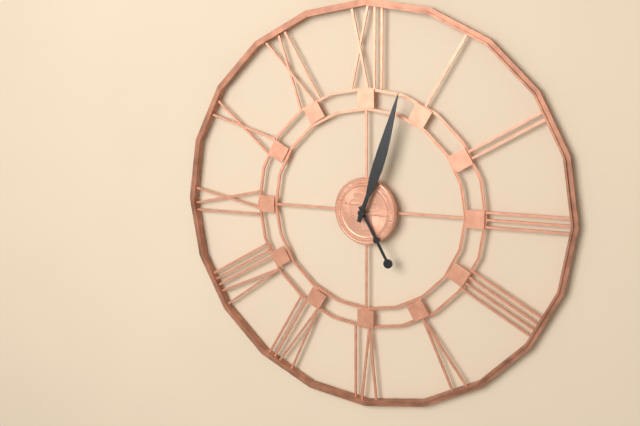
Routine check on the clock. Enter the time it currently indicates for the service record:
5:03
